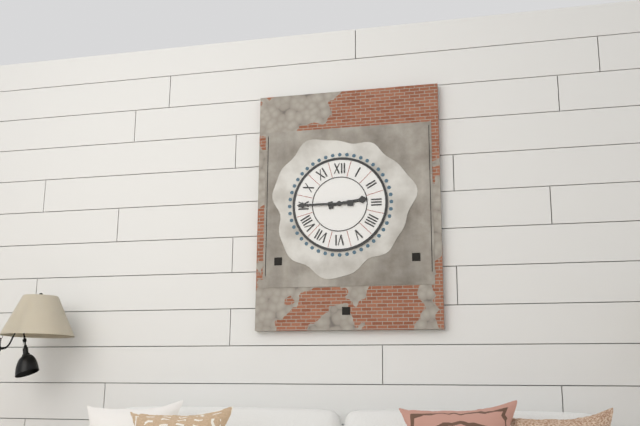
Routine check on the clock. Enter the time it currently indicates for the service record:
2:45
